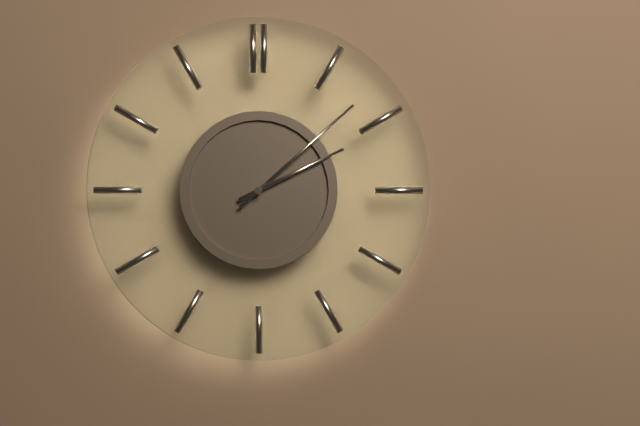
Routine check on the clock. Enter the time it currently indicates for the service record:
2:08
